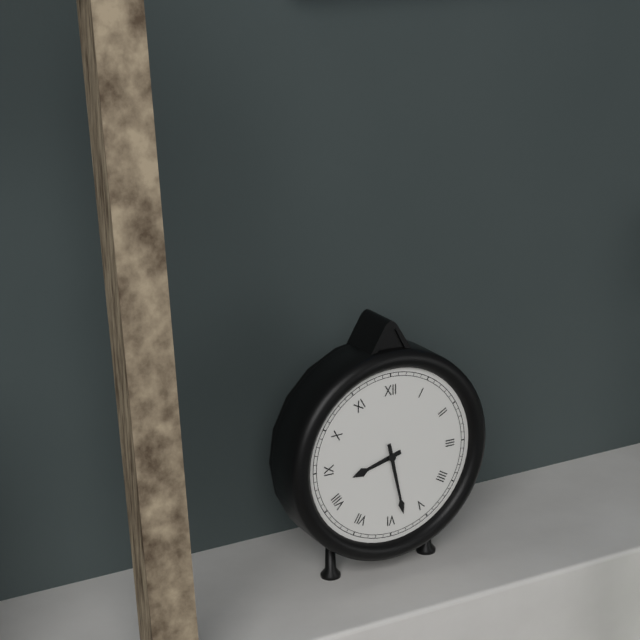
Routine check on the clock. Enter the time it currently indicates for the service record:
8:28
